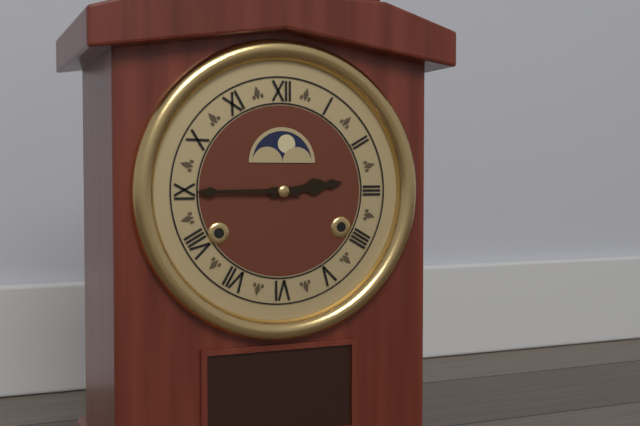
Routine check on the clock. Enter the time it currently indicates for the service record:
2:45
